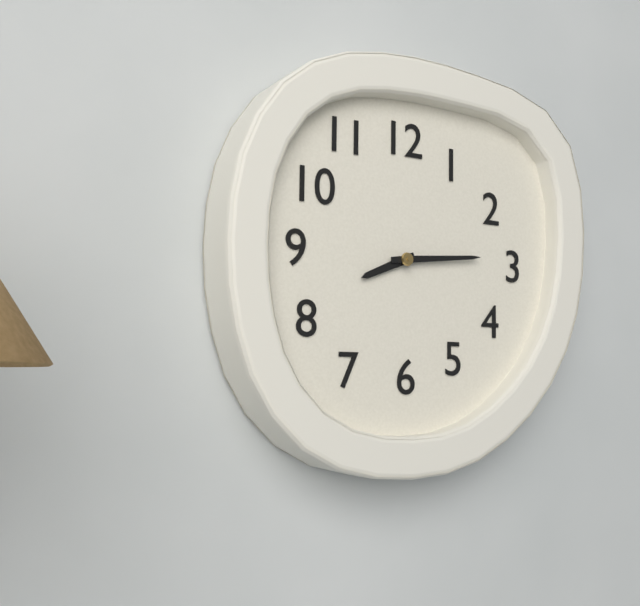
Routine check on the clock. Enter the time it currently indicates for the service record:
8:14
